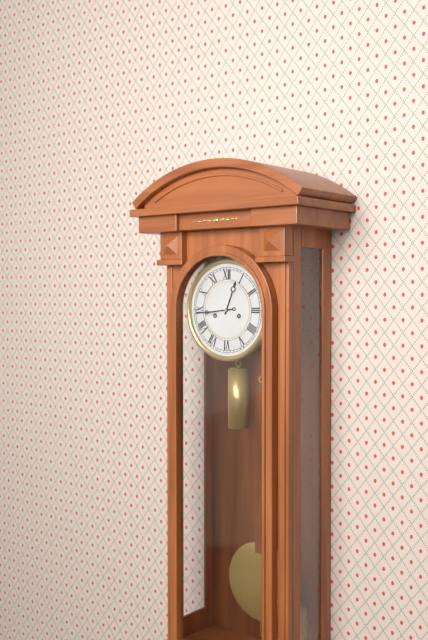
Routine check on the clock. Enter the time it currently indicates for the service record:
12:44
